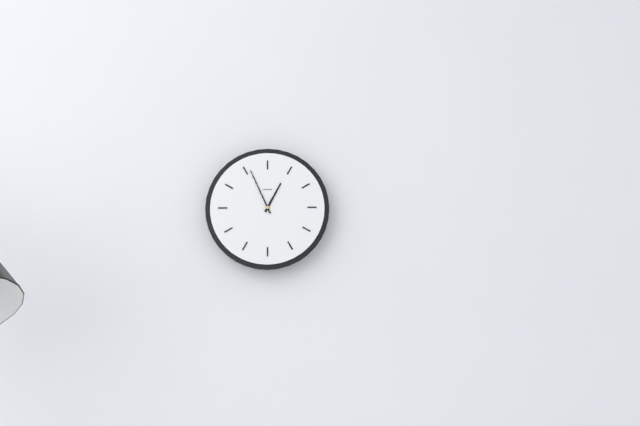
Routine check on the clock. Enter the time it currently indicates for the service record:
12:56
